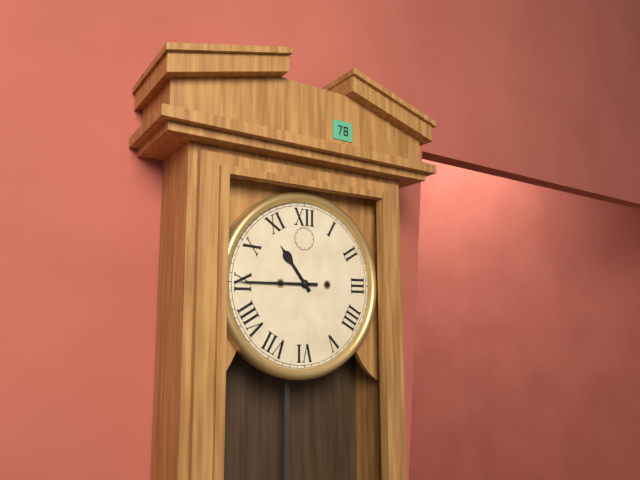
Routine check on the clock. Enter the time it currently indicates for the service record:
10:45
